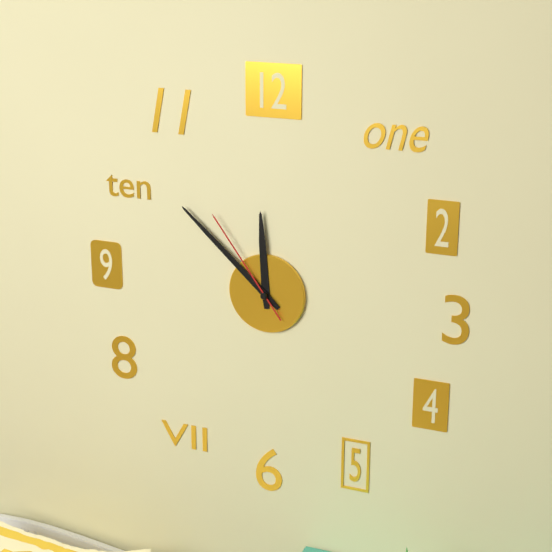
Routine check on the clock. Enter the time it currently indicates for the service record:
11:52:54
